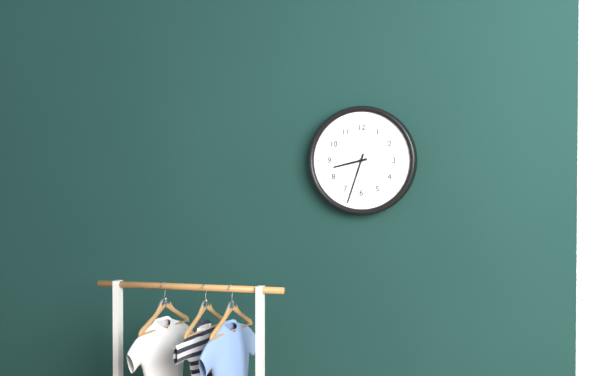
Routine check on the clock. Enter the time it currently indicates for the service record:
8:33
